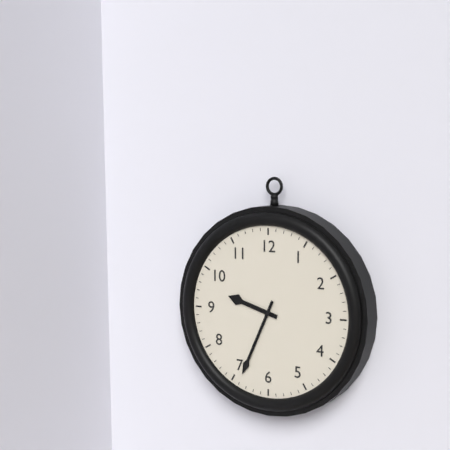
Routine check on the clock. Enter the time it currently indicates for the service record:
9:34
